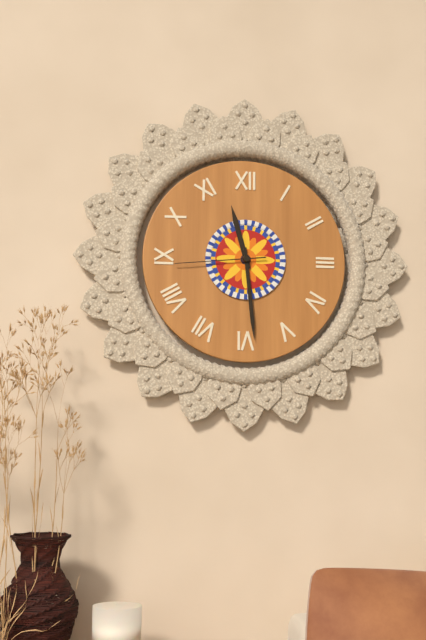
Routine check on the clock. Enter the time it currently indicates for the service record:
11:29:44
